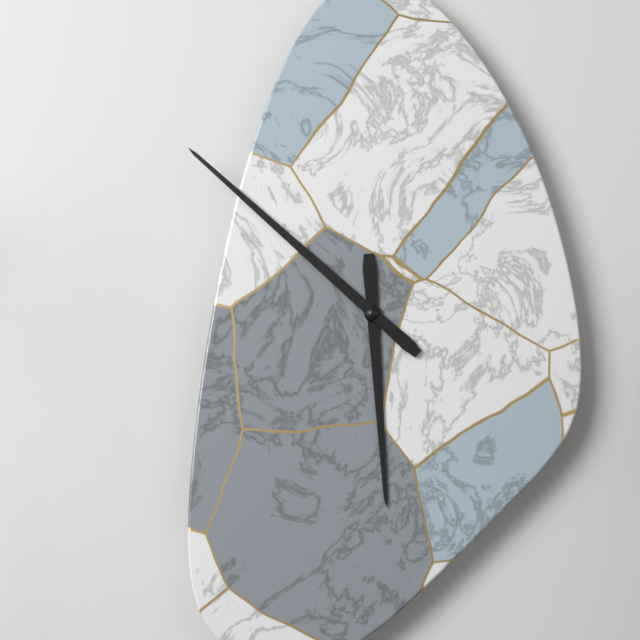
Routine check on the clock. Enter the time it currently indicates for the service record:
5:52
